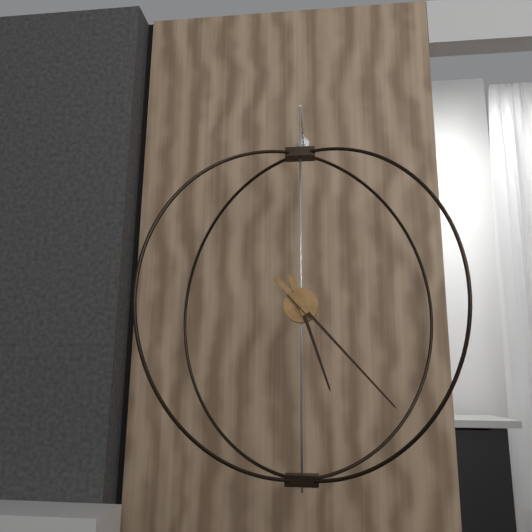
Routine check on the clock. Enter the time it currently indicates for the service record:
5:23
